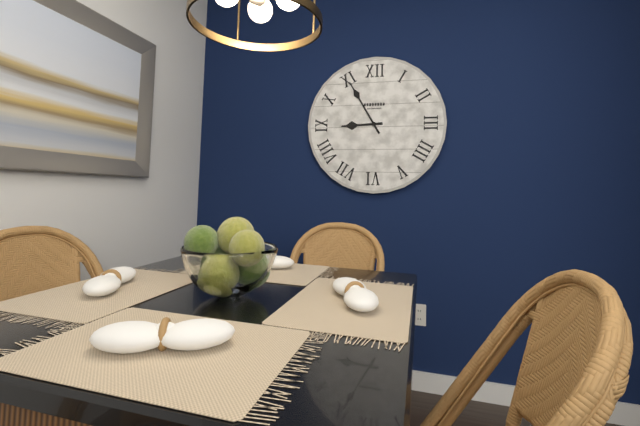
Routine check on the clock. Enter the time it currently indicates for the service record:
8:55
